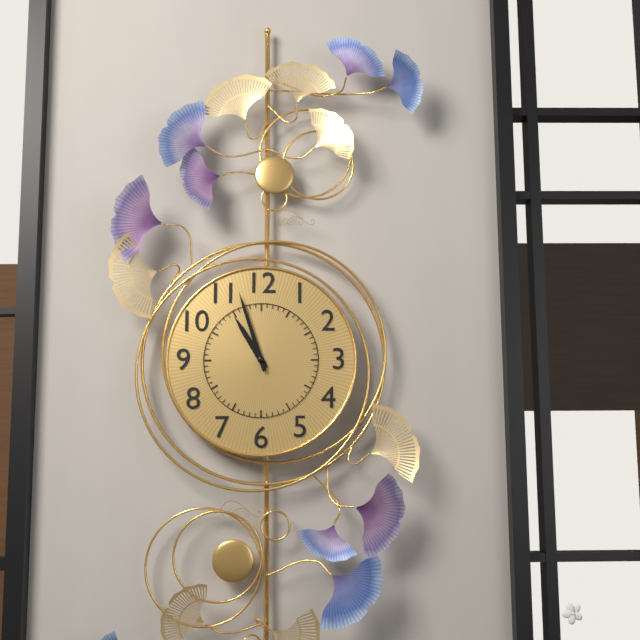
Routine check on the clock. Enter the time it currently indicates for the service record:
10:57
